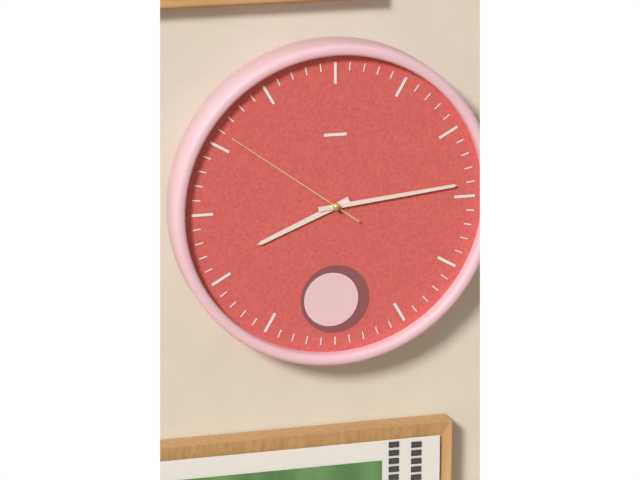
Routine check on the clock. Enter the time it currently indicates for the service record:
8:14:51
